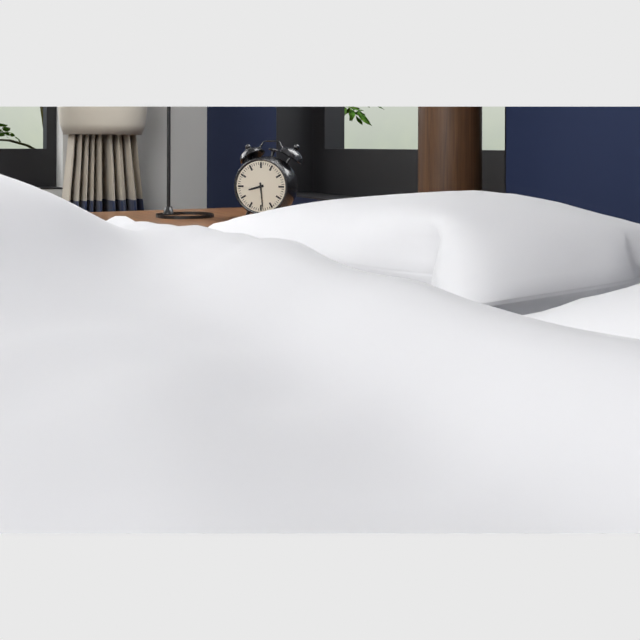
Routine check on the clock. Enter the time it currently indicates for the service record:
8:29
